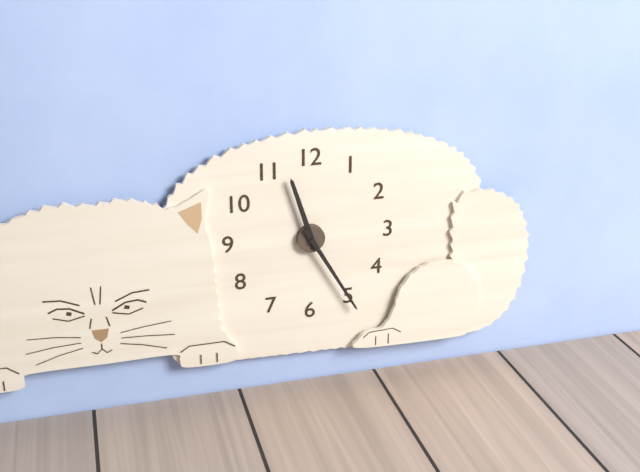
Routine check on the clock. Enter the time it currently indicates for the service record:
11:25
